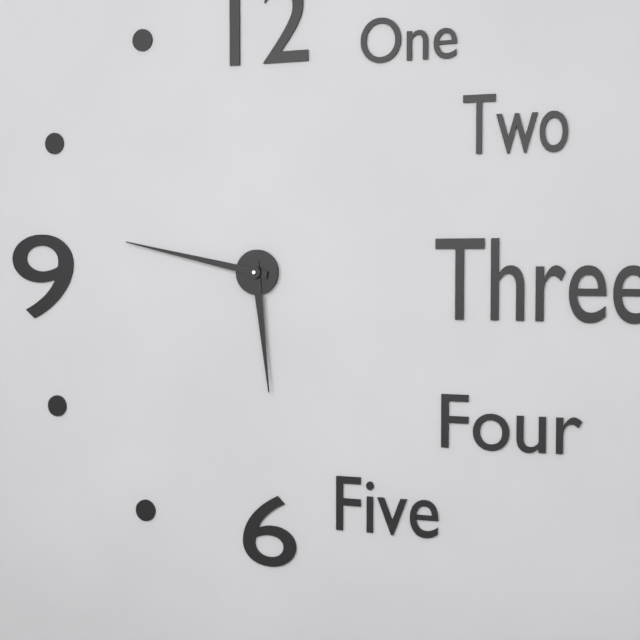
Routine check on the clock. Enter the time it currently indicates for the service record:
5:47
